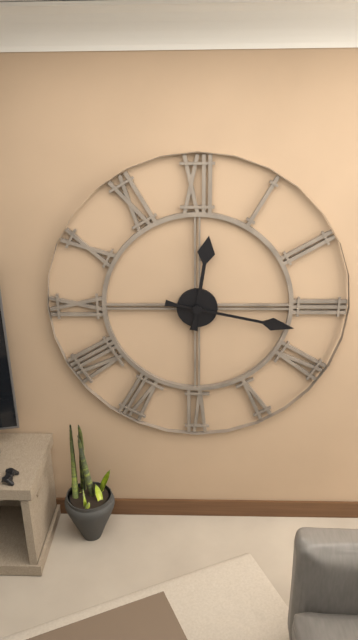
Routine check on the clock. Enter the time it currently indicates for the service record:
12:17
